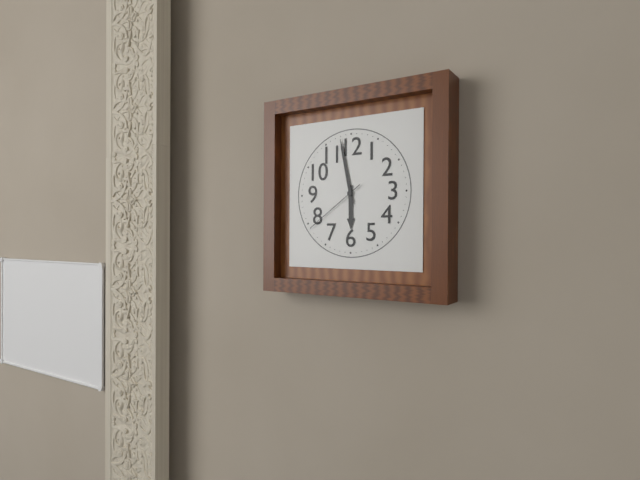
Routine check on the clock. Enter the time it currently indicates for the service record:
5:58:39
